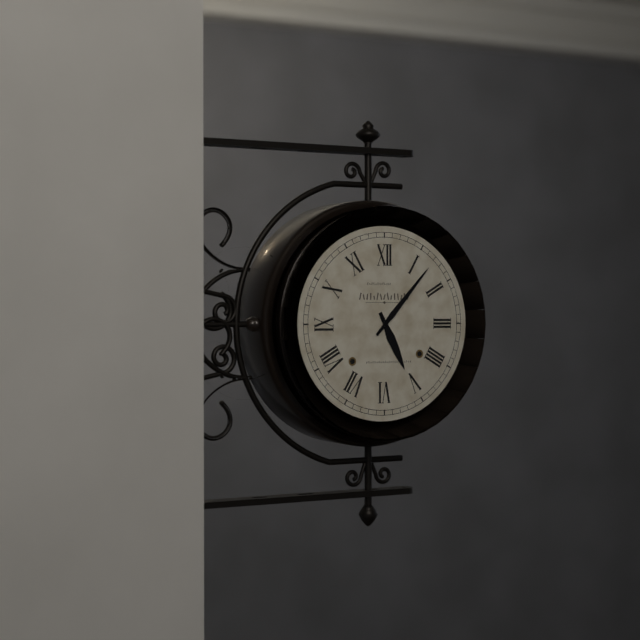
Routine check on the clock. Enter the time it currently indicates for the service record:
5:07
